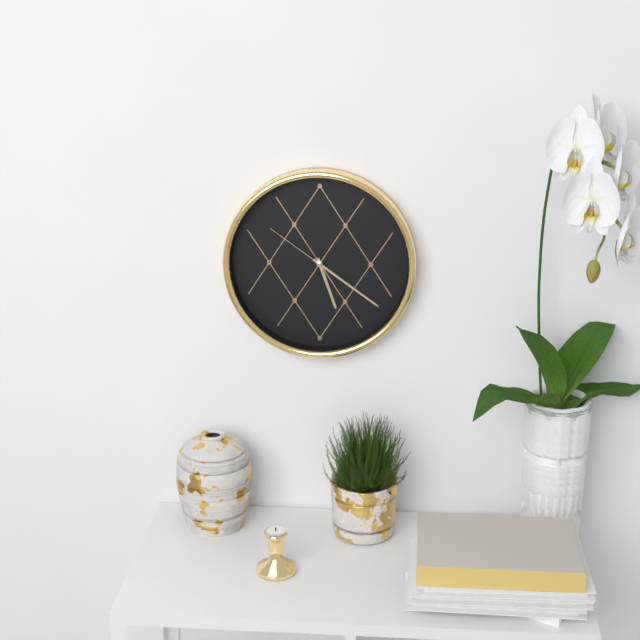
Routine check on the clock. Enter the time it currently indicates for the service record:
5:21:51
